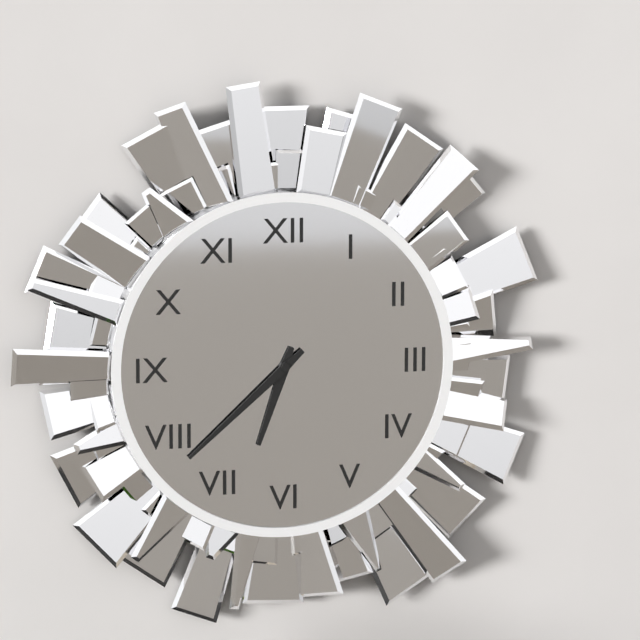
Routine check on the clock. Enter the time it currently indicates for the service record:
6:38
